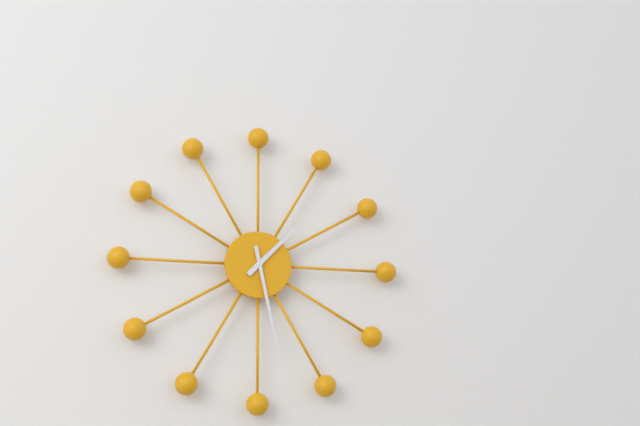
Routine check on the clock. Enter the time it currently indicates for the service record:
1:28
